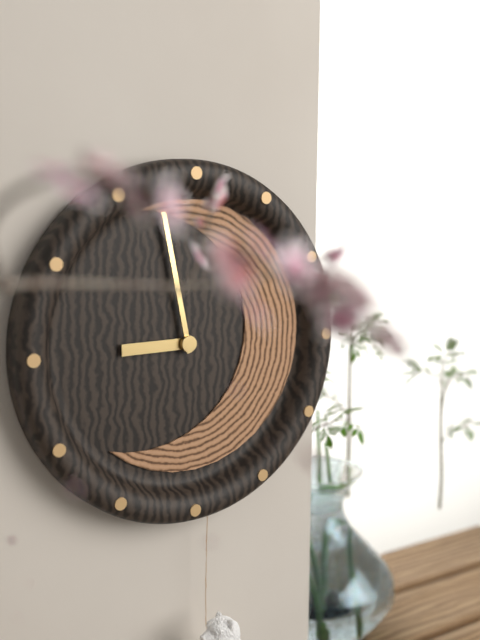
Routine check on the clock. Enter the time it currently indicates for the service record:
8:58
